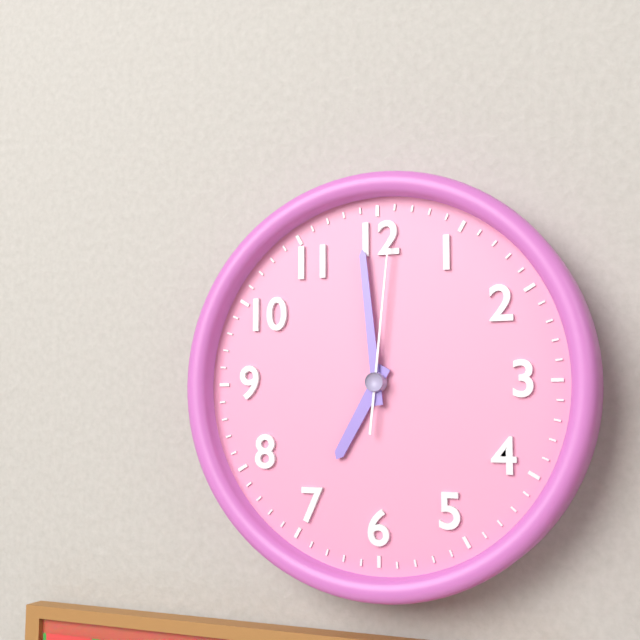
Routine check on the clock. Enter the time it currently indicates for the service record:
6:59:01
